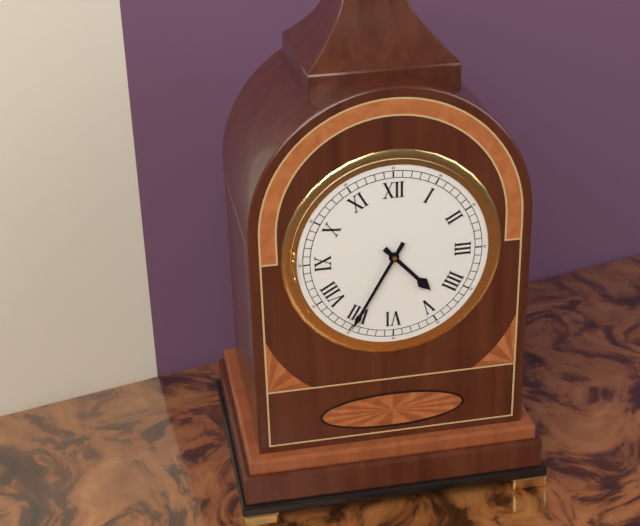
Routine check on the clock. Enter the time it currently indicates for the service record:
4:35
